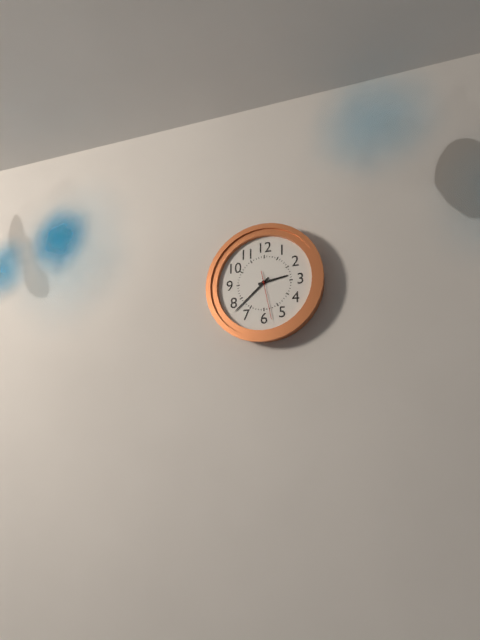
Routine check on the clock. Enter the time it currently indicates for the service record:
2:38
